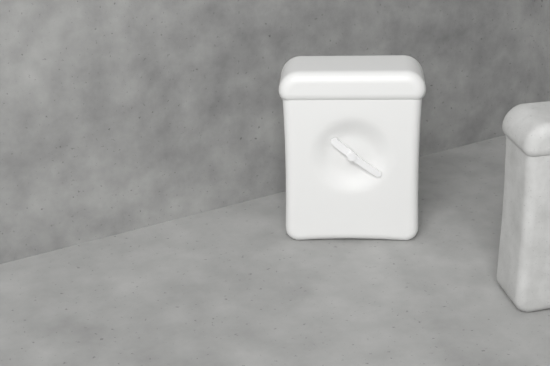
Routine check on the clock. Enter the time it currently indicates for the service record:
10:21
